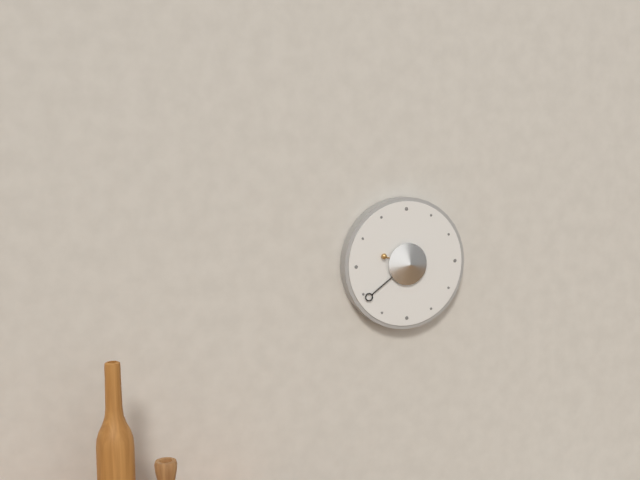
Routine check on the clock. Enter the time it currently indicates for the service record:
9:39
